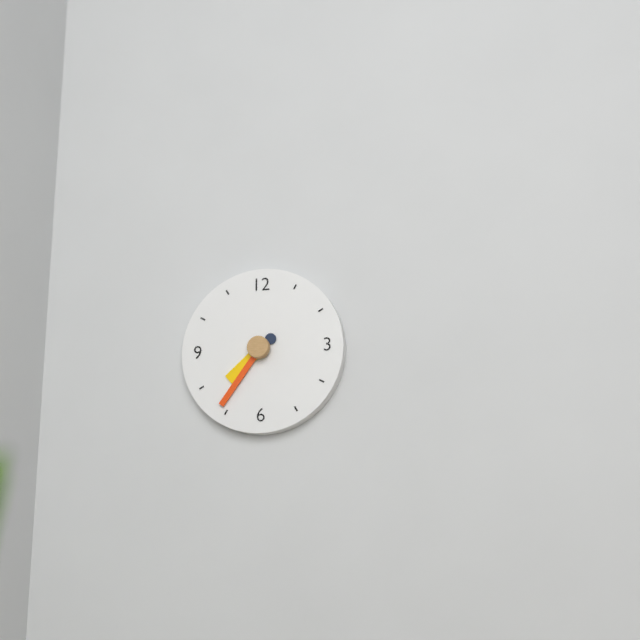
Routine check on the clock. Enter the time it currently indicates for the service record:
7:36
